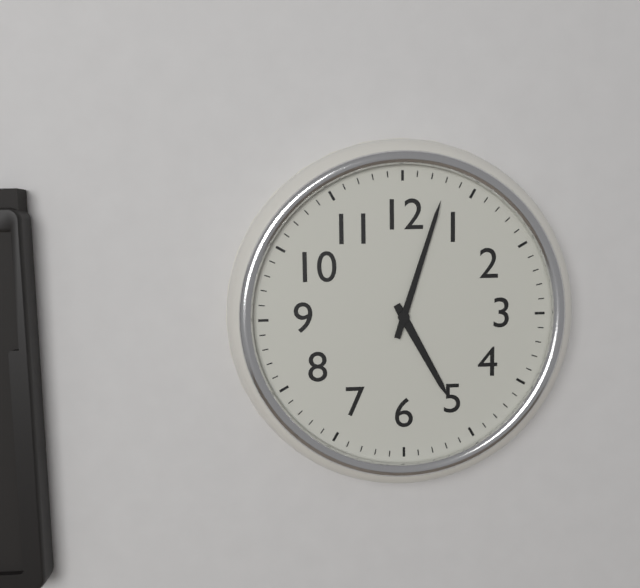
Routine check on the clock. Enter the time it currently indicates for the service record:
5:03
